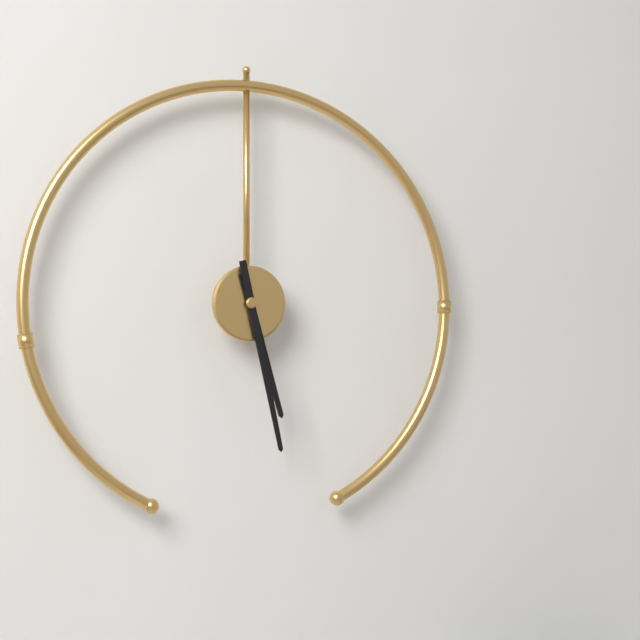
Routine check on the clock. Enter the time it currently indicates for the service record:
5:28
